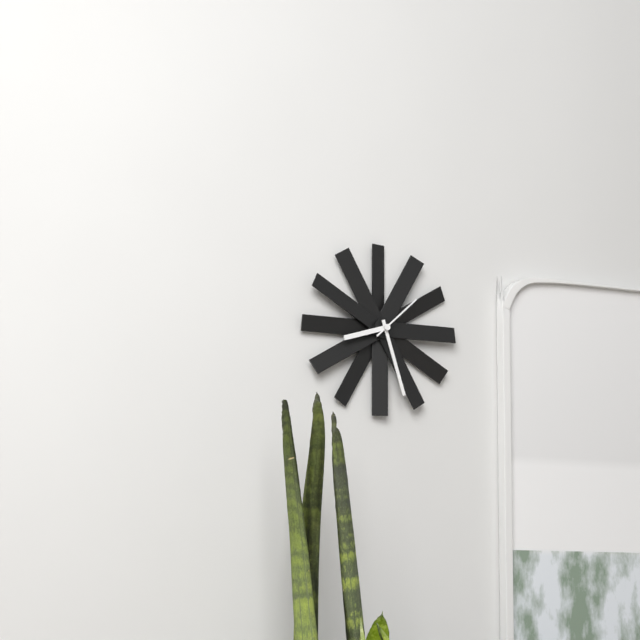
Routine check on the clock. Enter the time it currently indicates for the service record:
8:27:08
